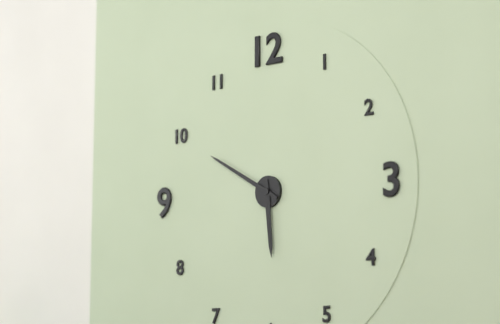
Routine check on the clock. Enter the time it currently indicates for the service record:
5:50
